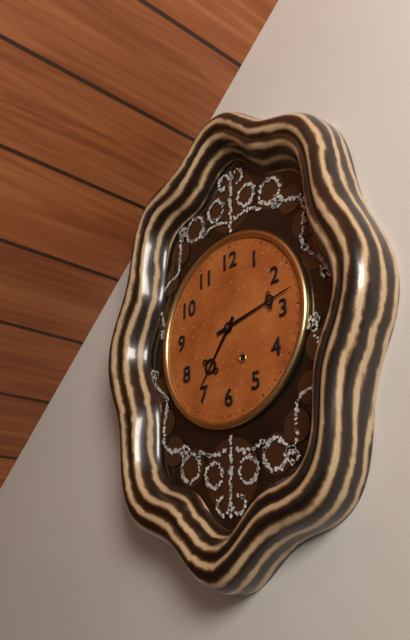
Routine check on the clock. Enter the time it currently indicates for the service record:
7:13
